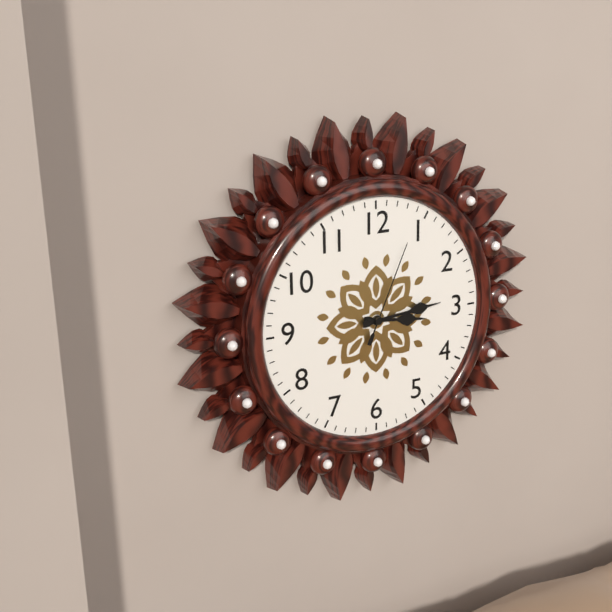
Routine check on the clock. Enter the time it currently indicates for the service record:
3:14:04
